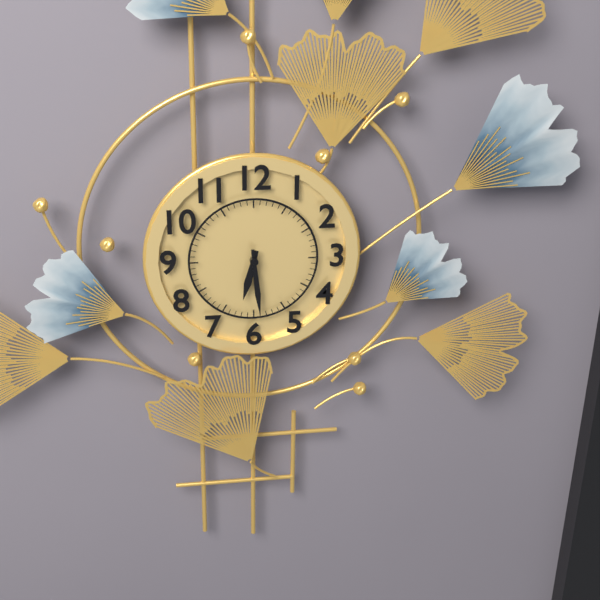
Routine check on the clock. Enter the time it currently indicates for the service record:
6:29
